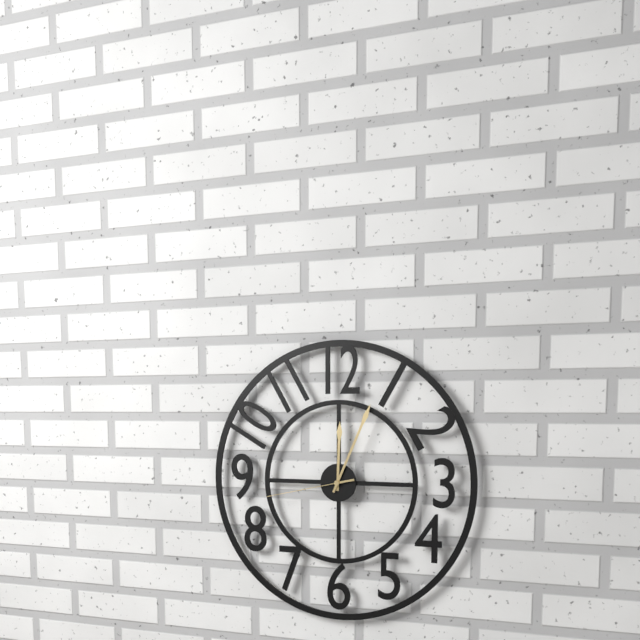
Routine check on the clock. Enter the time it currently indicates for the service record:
12:04:43
